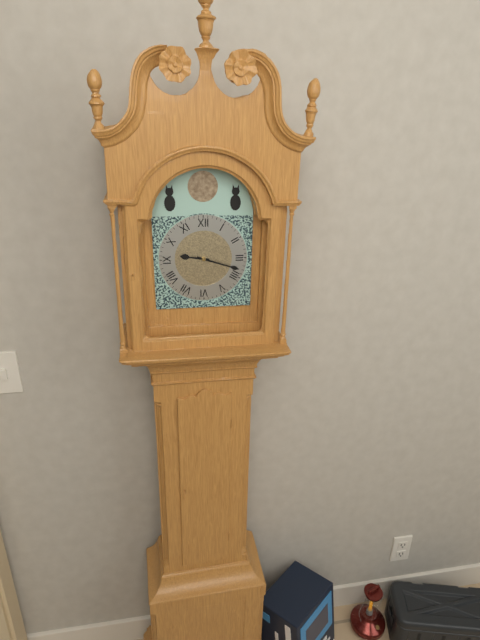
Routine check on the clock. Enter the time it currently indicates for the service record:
9:18
